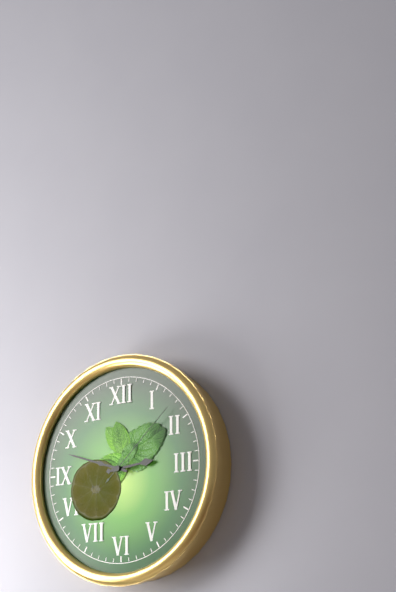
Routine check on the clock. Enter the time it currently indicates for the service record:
2:48:08
